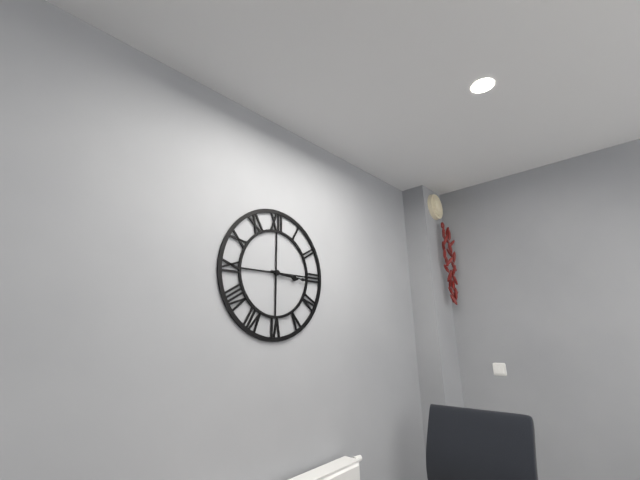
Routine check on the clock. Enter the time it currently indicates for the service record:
3:16
